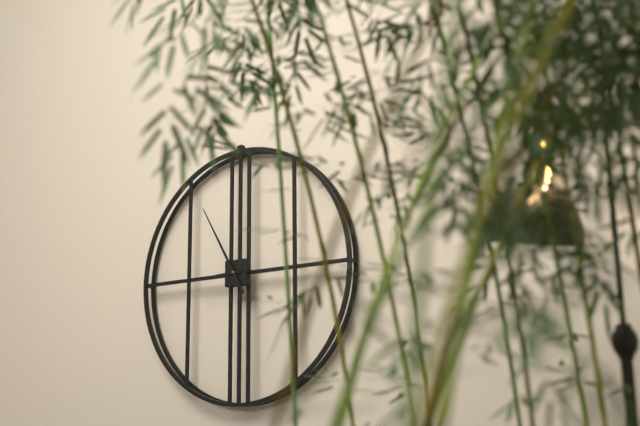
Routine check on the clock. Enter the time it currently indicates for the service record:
8:55
